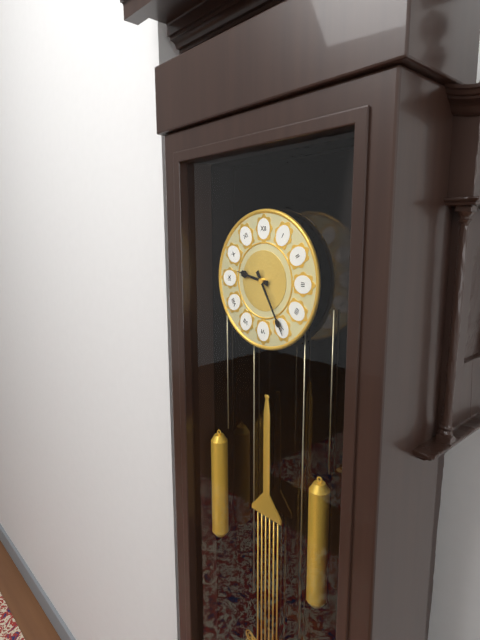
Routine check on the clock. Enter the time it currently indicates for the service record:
9:25
